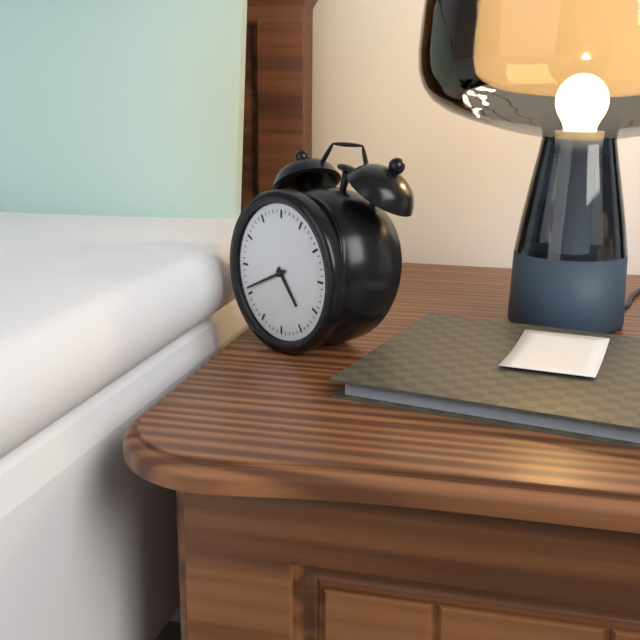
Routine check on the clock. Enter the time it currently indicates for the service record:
4:41
